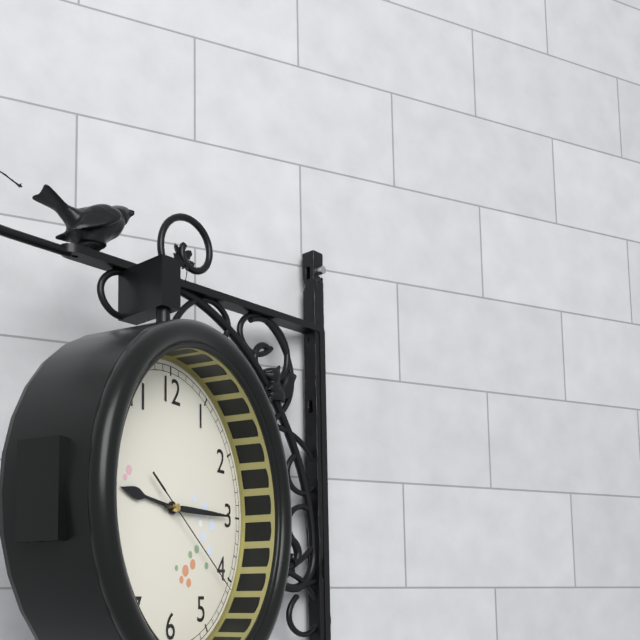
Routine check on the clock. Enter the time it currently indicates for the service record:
9:15:21
